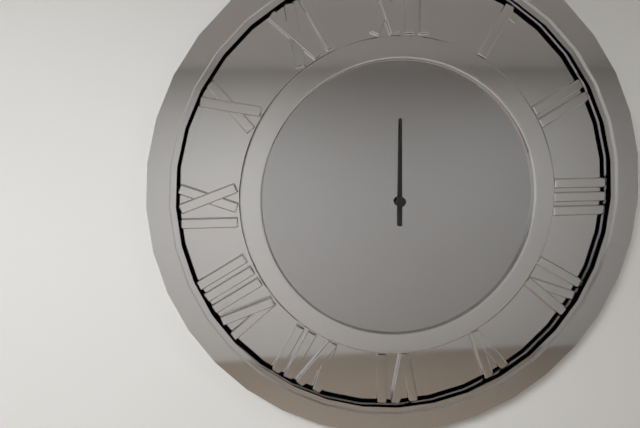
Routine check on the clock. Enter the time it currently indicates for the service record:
12:00
